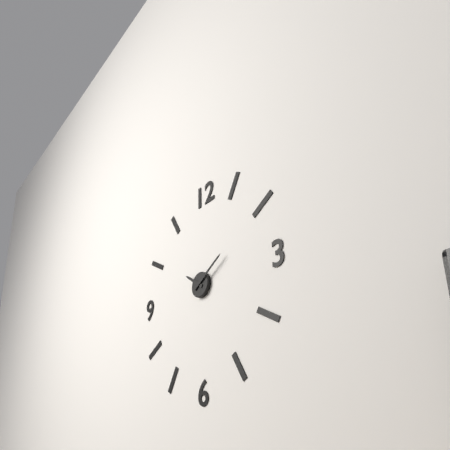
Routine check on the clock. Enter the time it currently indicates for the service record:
10:10
